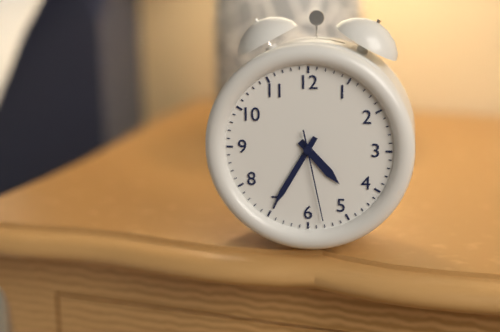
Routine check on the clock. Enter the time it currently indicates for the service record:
4:35:28
